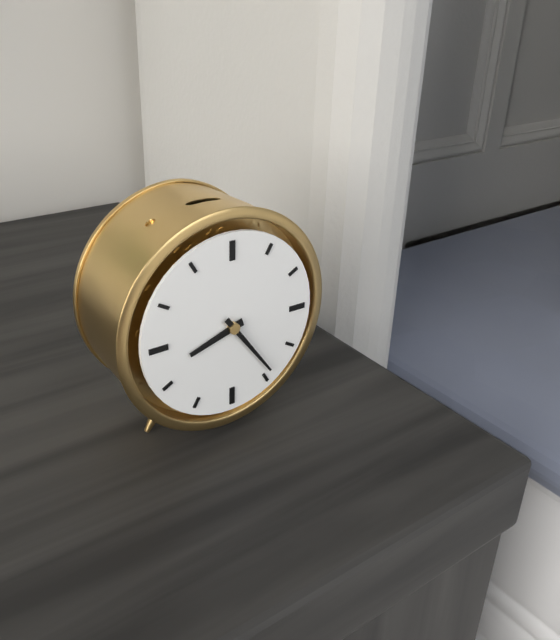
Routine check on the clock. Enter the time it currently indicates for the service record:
8:24
